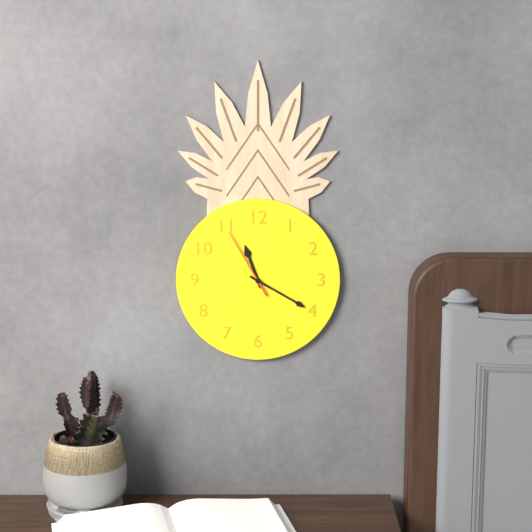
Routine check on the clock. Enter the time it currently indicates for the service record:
11:20:55
